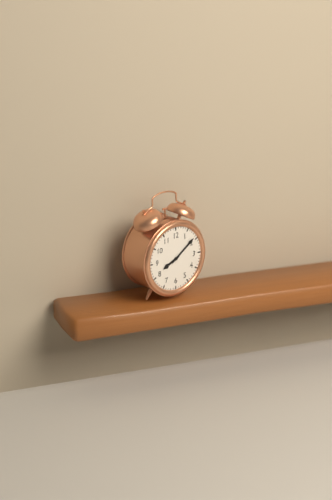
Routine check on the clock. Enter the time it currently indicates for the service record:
8:09
